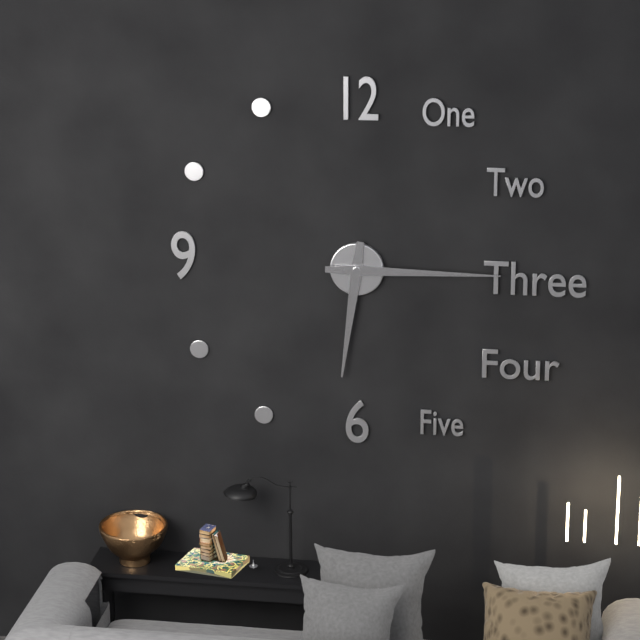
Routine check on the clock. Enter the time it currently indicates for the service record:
6:15
